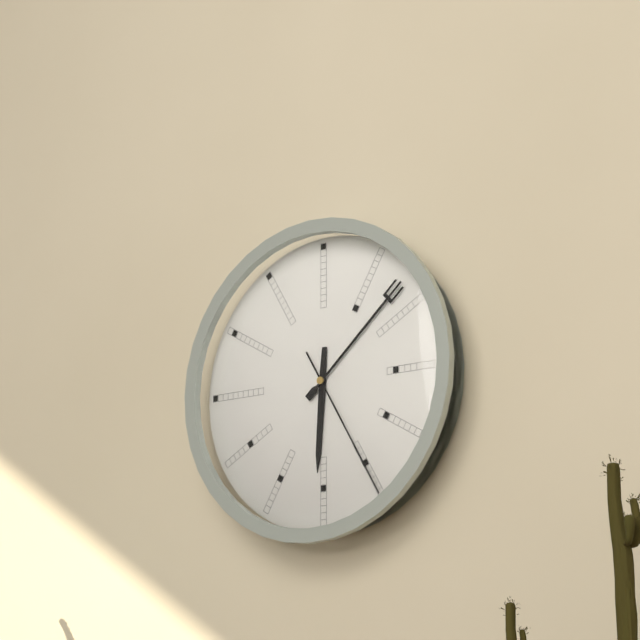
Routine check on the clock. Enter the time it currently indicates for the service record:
6:08:25
